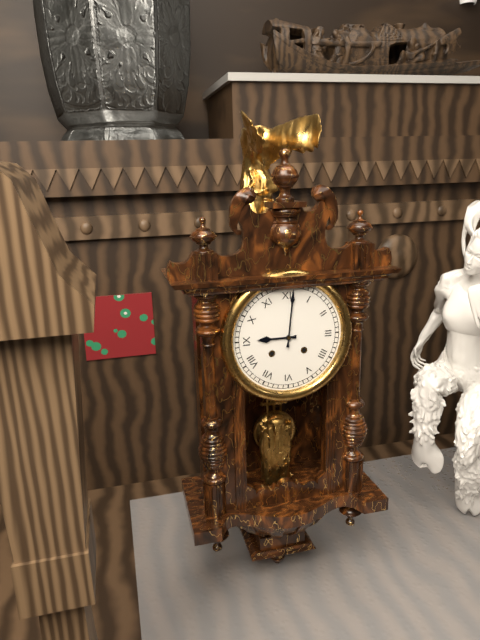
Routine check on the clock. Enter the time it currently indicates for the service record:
9:01
